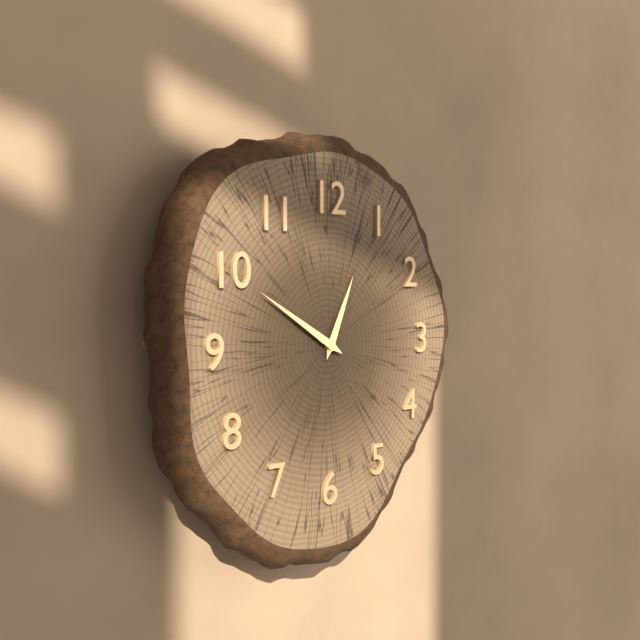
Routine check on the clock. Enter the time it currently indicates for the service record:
12:50
